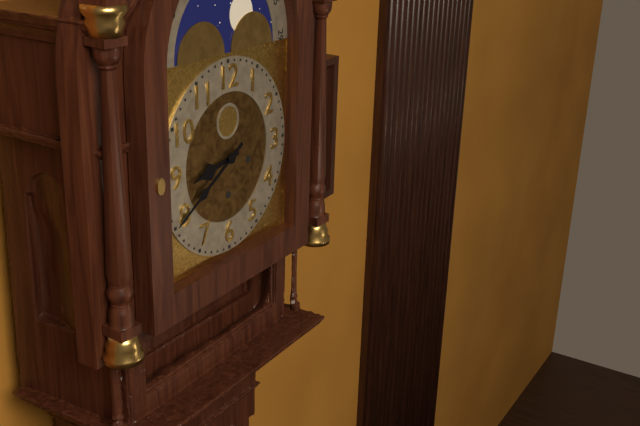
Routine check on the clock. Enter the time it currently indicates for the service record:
8:40
